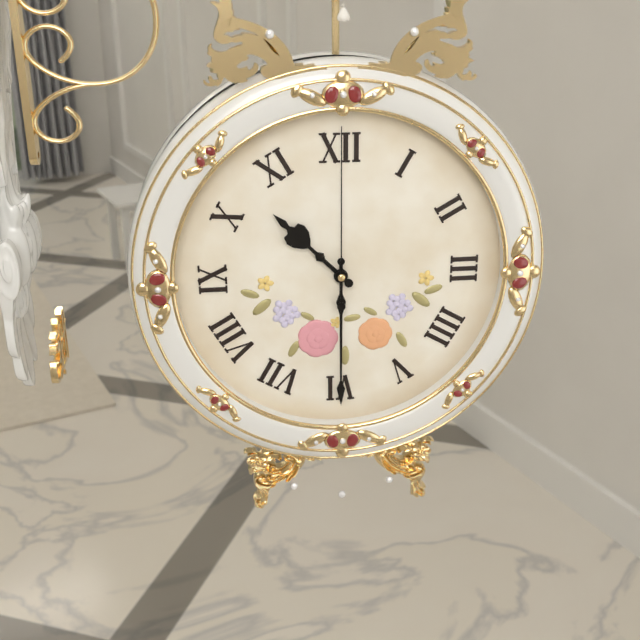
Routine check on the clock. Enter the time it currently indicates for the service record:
10:30:00
